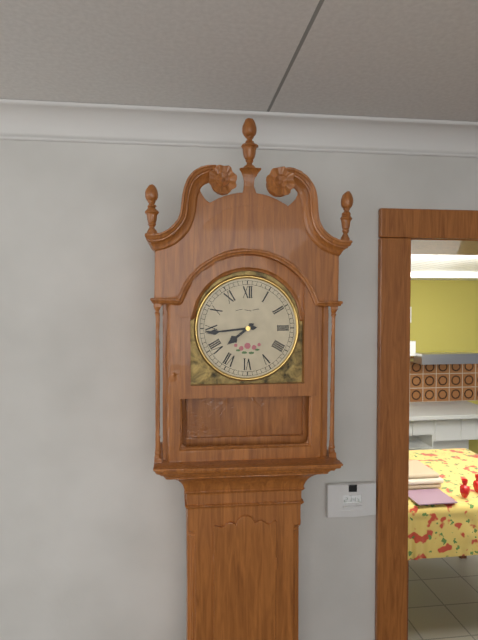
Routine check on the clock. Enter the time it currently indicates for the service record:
7:44
